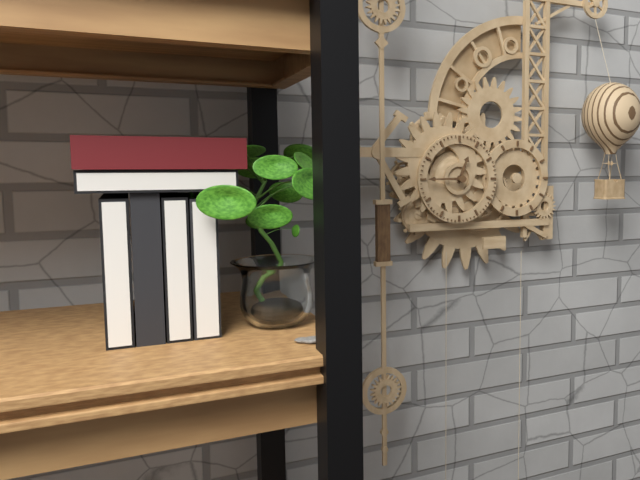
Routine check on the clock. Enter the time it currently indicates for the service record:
12:45
